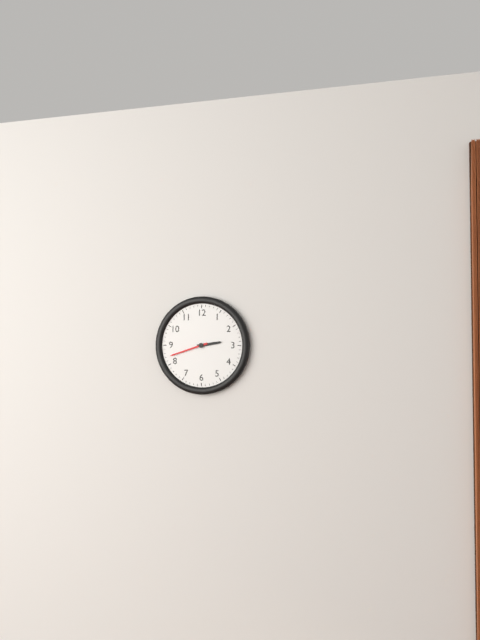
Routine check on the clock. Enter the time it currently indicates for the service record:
2:42
